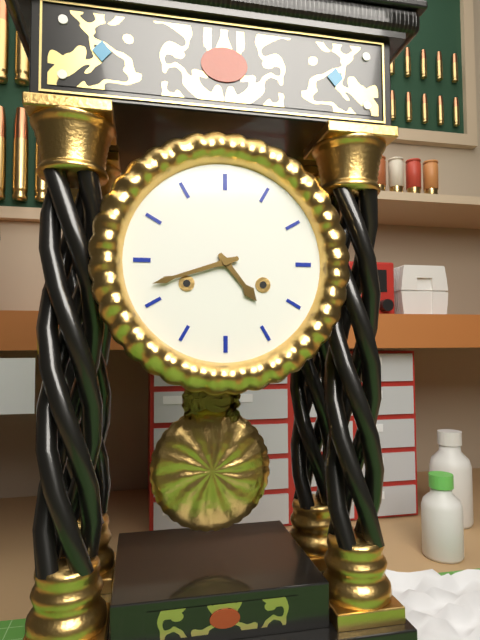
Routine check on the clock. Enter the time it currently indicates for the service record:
4:42
